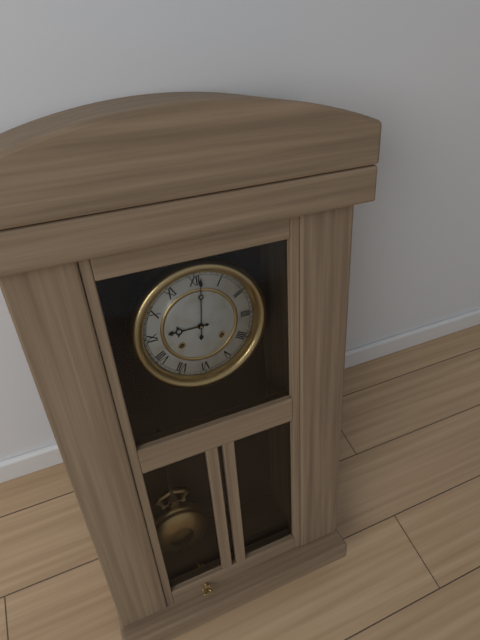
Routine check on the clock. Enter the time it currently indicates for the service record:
9:01
